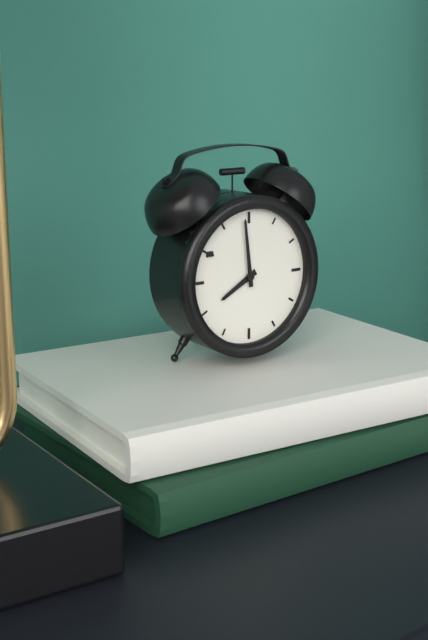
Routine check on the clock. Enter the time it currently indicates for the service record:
7:59
